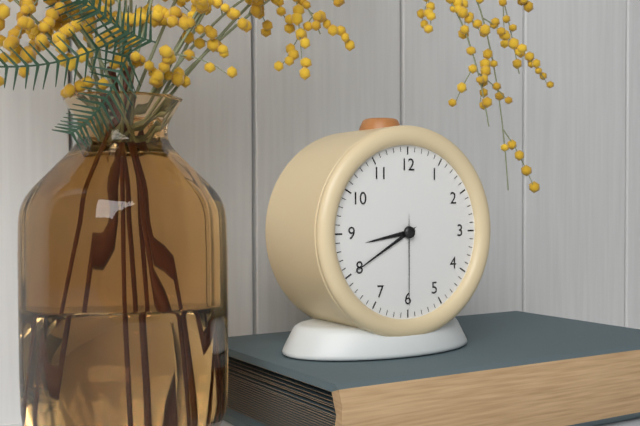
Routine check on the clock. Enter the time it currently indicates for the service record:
8:40:30
